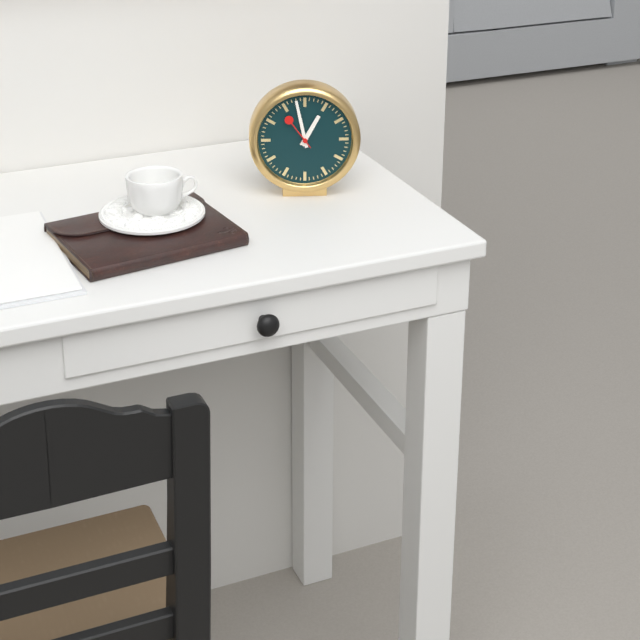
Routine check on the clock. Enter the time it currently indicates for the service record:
12:58
